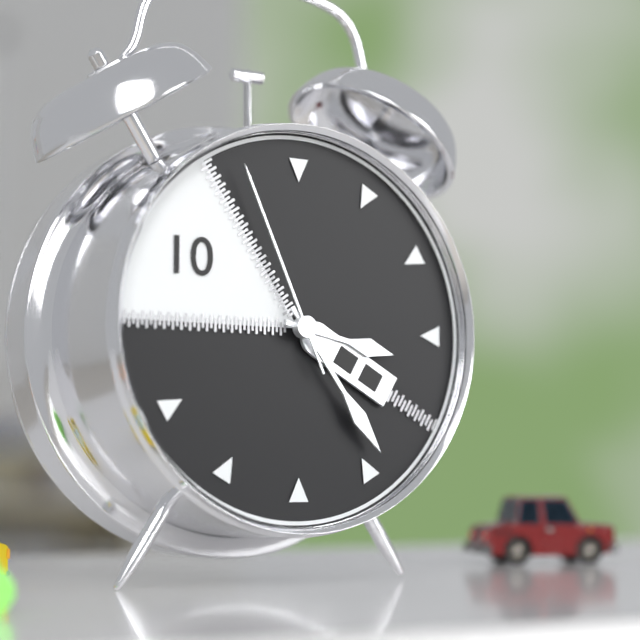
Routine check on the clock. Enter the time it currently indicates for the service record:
3:24:56
